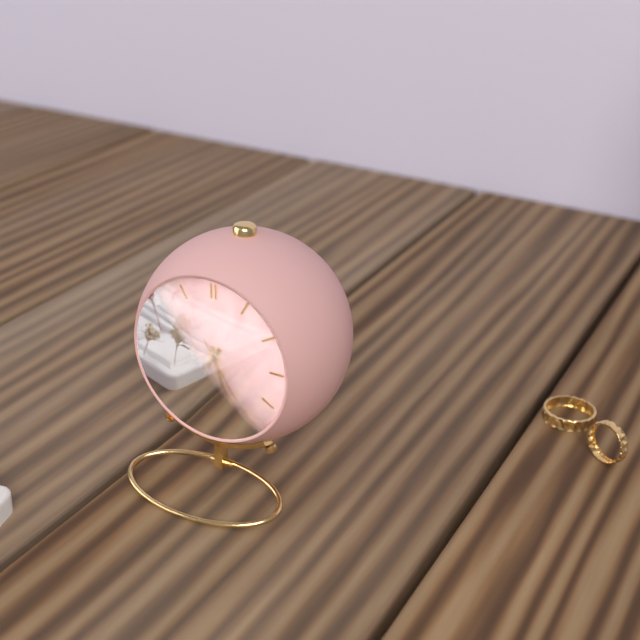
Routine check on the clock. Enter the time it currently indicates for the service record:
5:36:25
